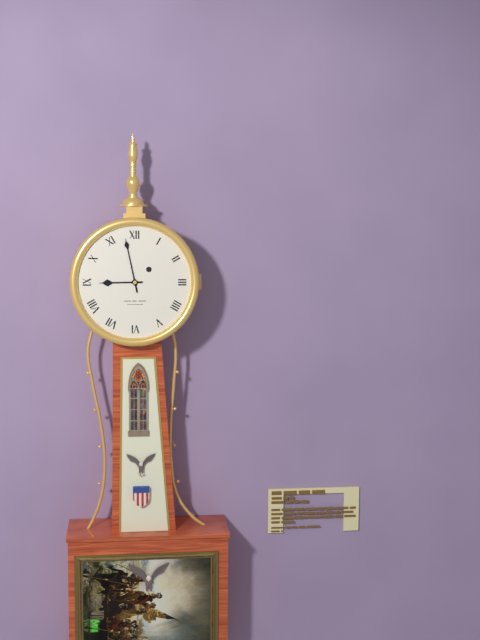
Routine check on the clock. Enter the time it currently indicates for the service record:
8:58
